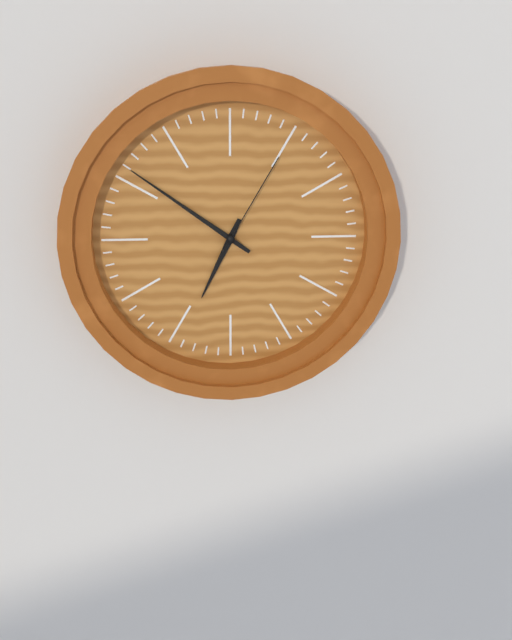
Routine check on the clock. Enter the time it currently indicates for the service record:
6:51:05
